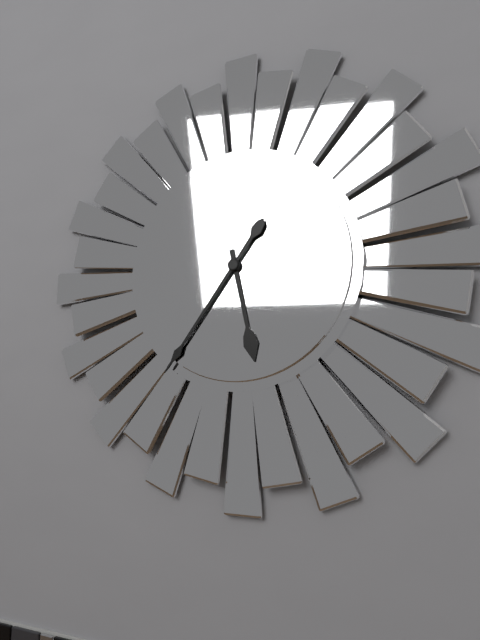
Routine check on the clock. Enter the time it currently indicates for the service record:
5:36
